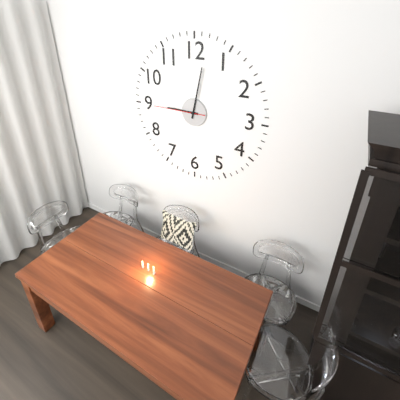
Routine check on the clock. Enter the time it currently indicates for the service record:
9:02:45
